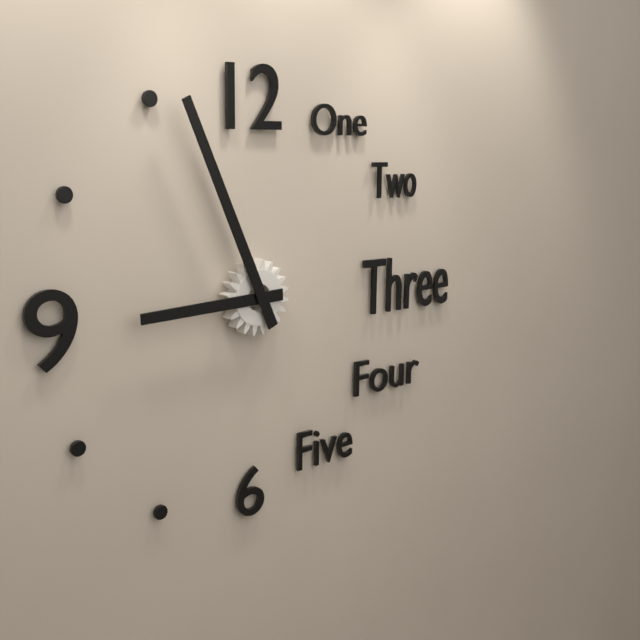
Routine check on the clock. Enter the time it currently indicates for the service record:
8:56
